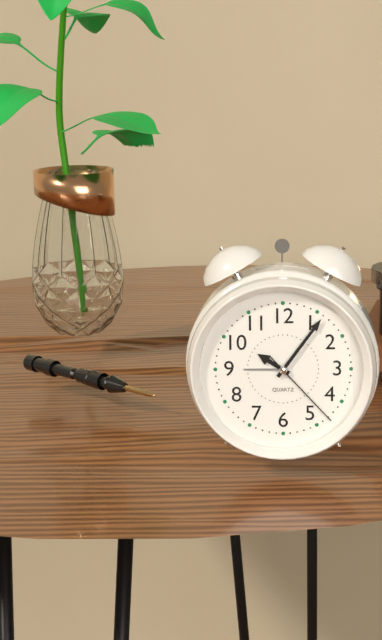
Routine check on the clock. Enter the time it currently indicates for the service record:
10:06:23
